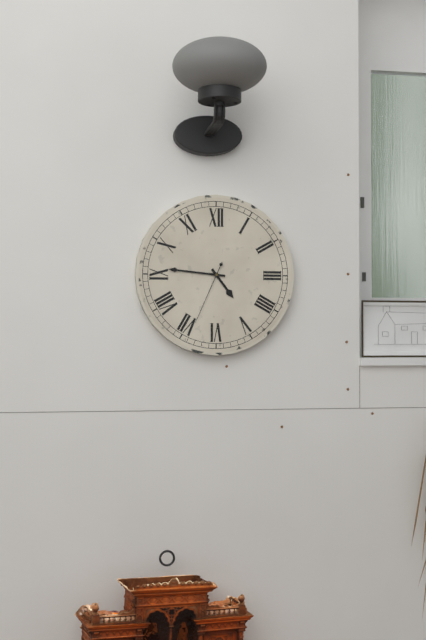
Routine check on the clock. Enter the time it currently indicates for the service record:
4:46:34
